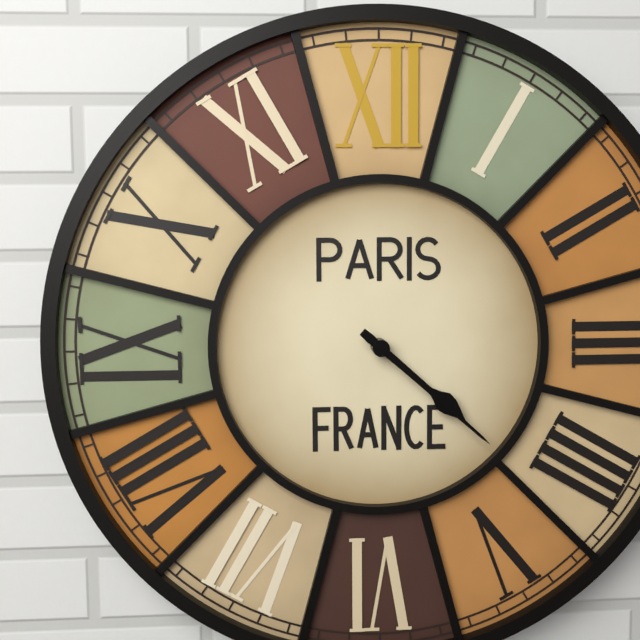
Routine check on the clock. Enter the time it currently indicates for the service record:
4:22
